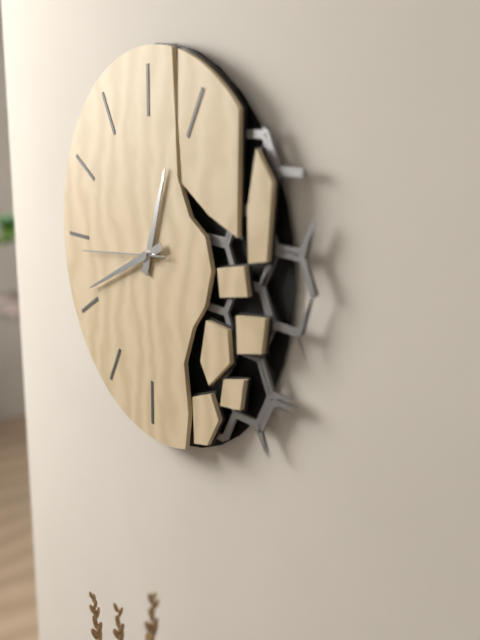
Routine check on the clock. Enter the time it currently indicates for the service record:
12:41:44
